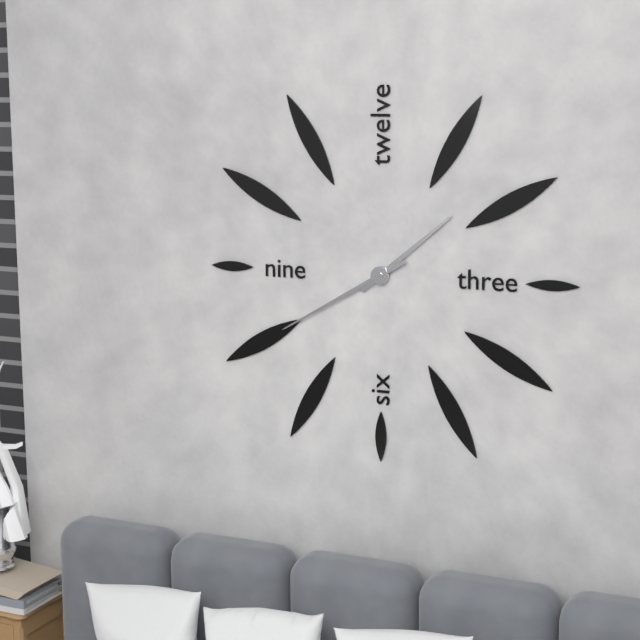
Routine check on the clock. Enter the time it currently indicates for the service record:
1:40
